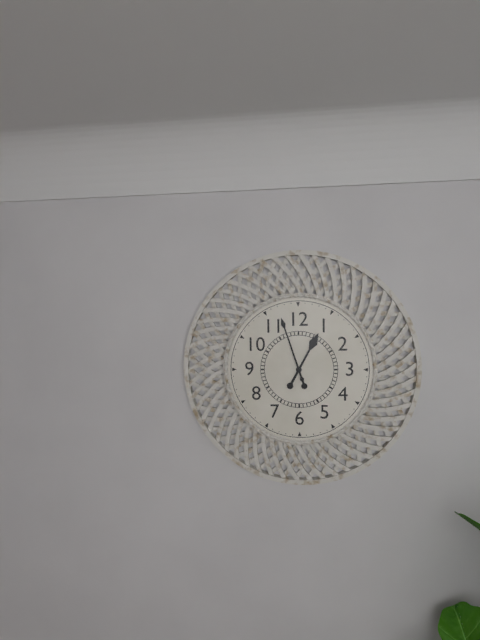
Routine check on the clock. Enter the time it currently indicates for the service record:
12:57
